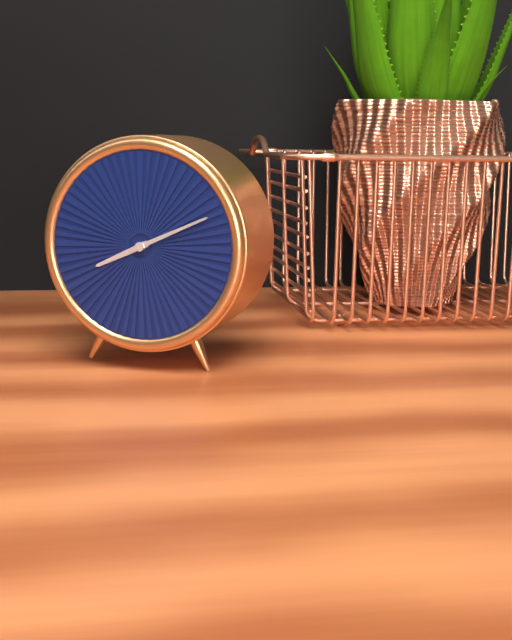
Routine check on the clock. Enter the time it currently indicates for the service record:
8:11
